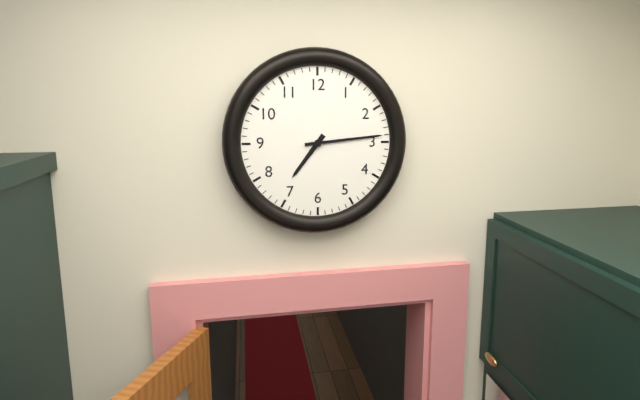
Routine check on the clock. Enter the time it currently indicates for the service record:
7:14
